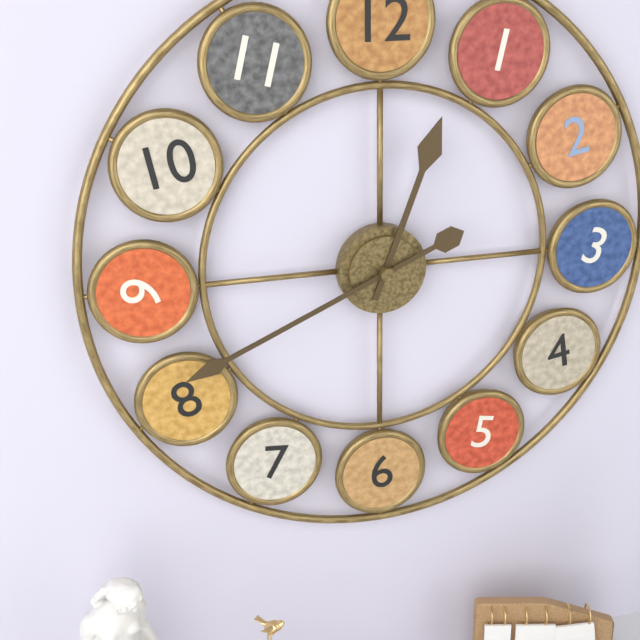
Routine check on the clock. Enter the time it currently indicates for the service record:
12:41
